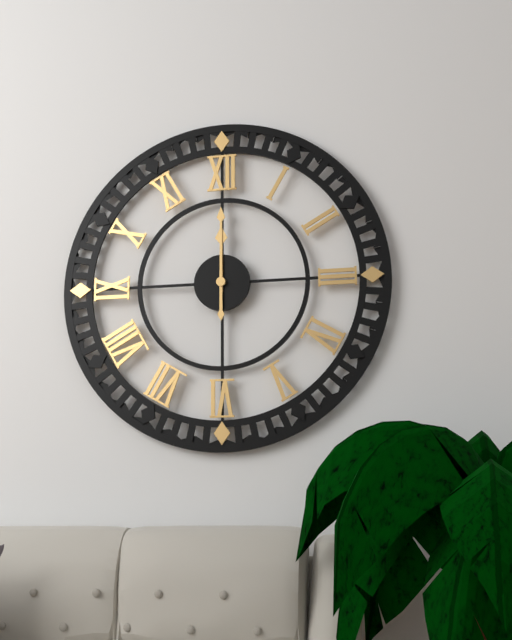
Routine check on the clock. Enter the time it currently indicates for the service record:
12:00
